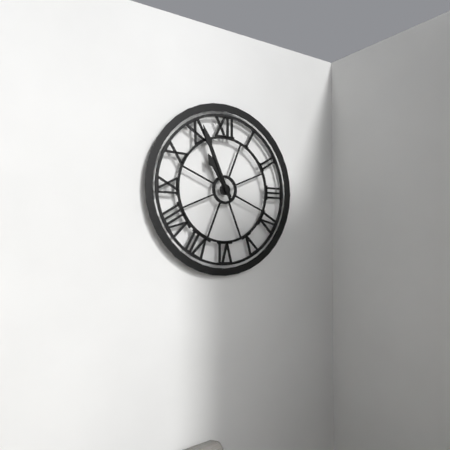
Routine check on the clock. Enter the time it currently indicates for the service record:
10:56
